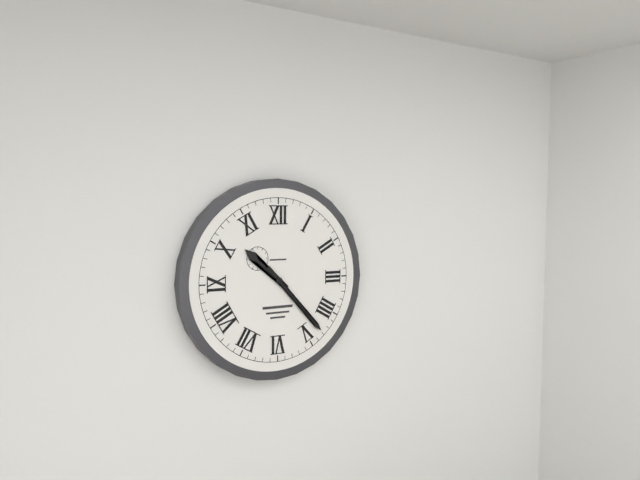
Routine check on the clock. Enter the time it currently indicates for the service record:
10:23
